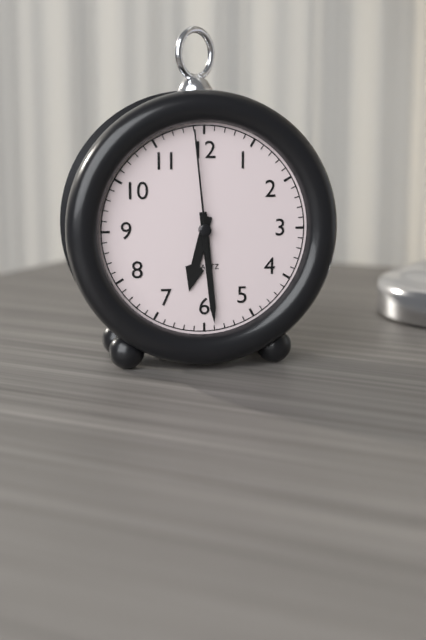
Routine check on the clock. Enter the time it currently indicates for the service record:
6:29:59
